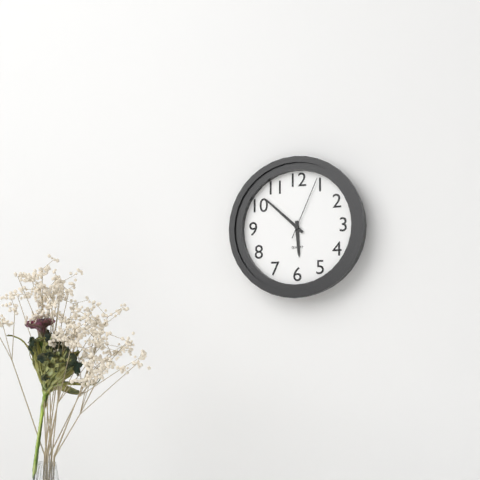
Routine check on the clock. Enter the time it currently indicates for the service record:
5:52:04
